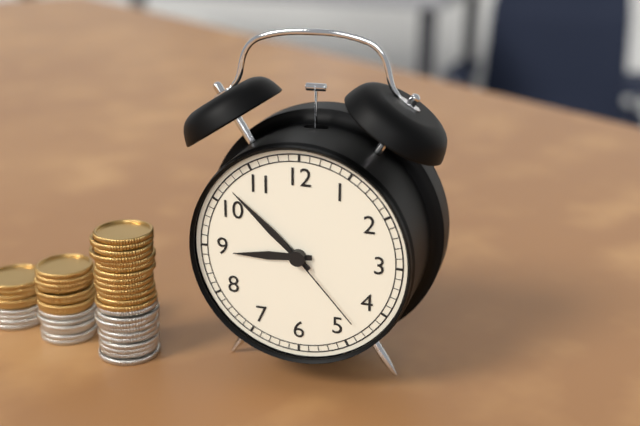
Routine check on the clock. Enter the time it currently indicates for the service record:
8:52:23
